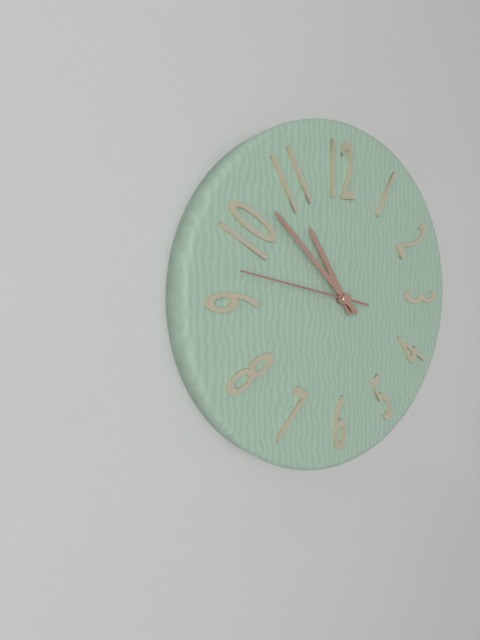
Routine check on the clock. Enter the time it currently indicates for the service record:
10:52:47
